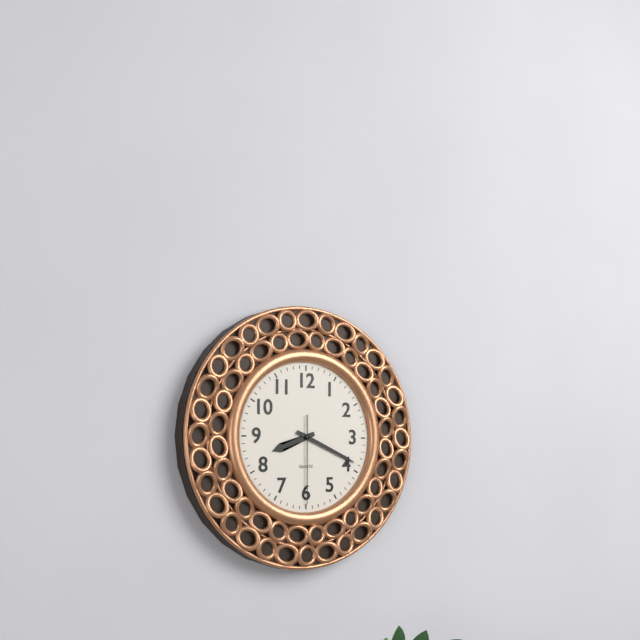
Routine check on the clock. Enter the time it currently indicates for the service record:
8:19:30
